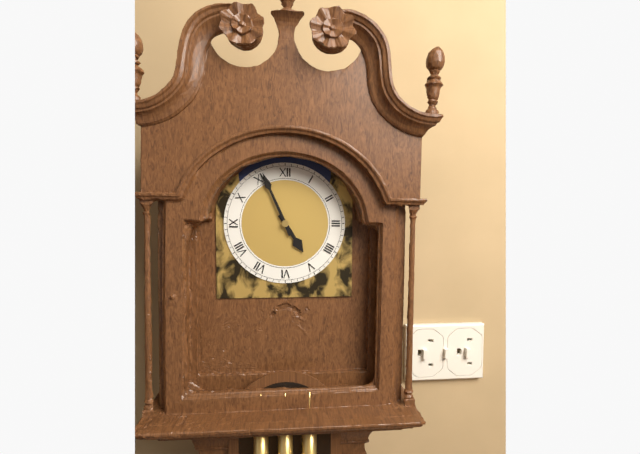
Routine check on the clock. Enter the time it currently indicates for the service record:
4:56
